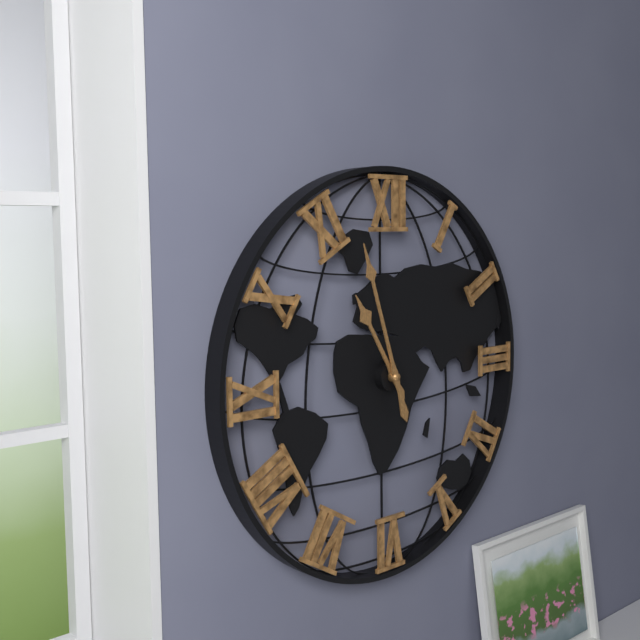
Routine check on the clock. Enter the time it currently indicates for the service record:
10:57
